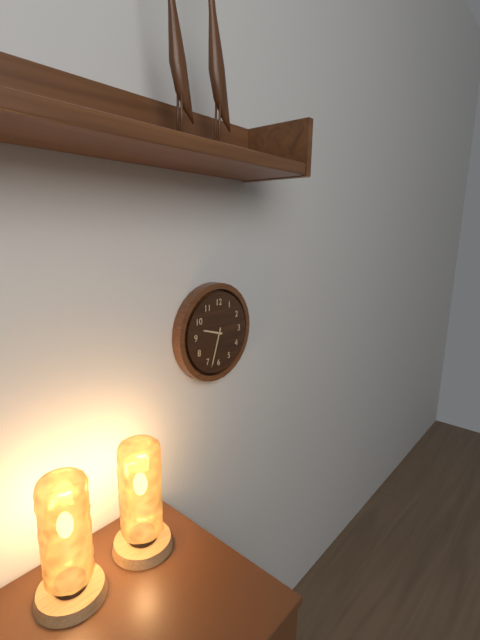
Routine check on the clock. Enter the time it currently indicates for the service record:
9:33
